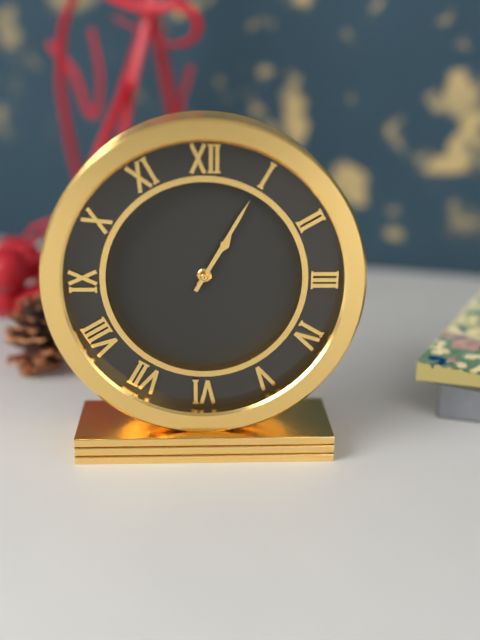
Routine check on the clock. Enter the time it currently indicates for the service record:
1:05
